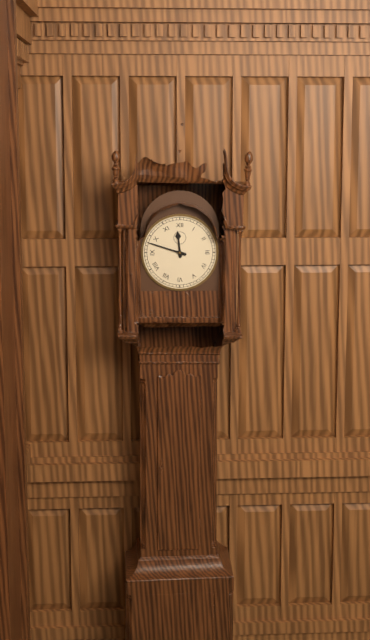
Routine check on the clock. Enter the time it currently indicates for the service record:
11:48
